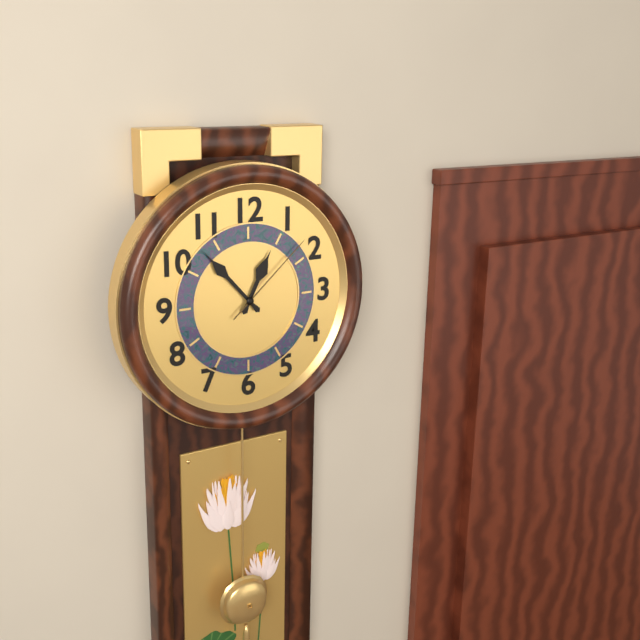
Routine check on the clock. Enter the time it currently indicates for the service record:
12:53:08
